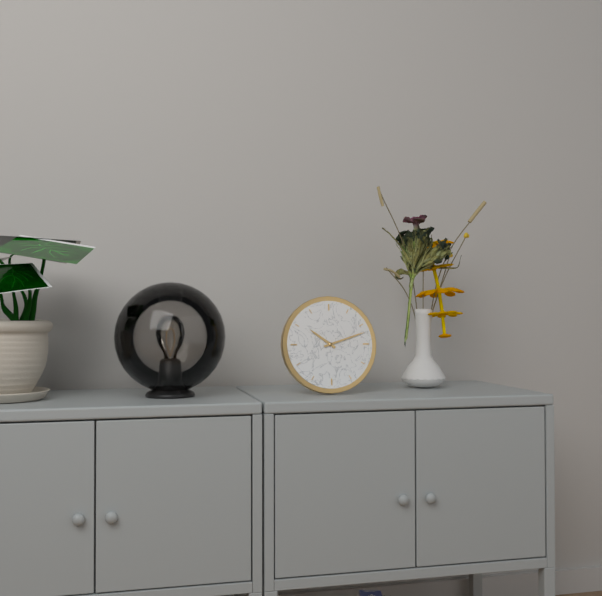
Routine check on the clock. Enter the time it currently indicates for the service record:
10:12
